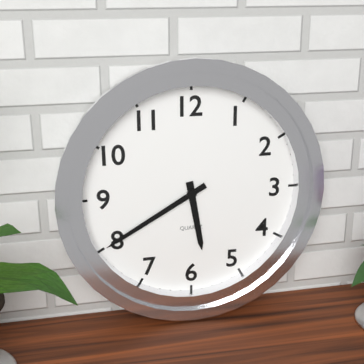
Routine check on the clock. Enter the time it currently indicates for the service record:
5:40
